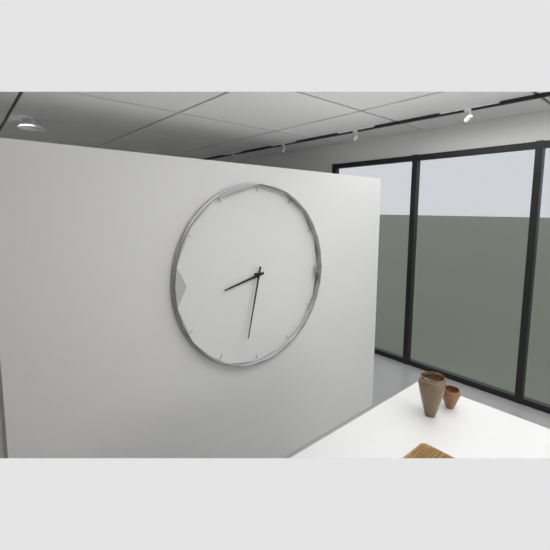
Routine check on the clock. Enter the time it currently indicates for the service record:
8:32
